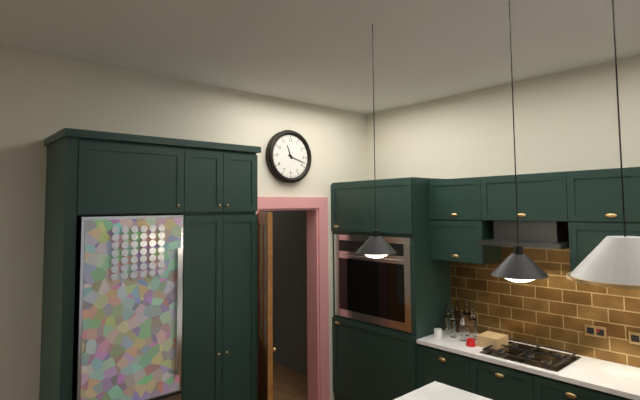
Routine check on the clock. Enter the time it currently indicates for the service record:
11:18
